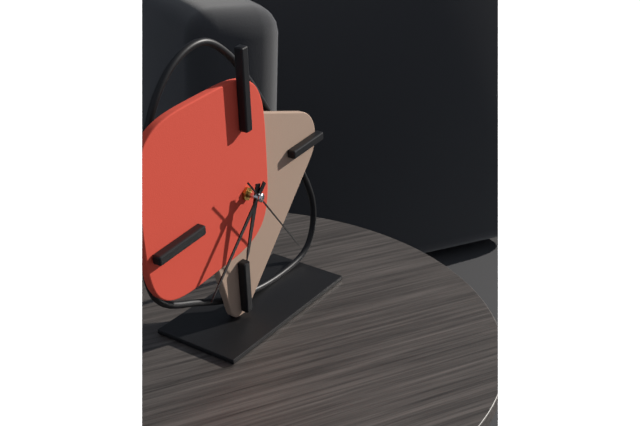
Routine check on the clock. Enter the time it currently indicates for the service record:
6:38:24
